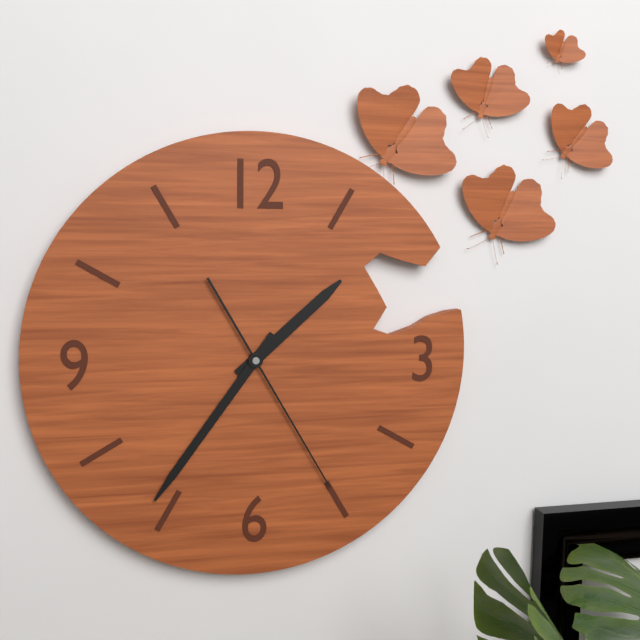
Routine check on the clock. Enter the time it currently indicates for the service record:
1:36:25
